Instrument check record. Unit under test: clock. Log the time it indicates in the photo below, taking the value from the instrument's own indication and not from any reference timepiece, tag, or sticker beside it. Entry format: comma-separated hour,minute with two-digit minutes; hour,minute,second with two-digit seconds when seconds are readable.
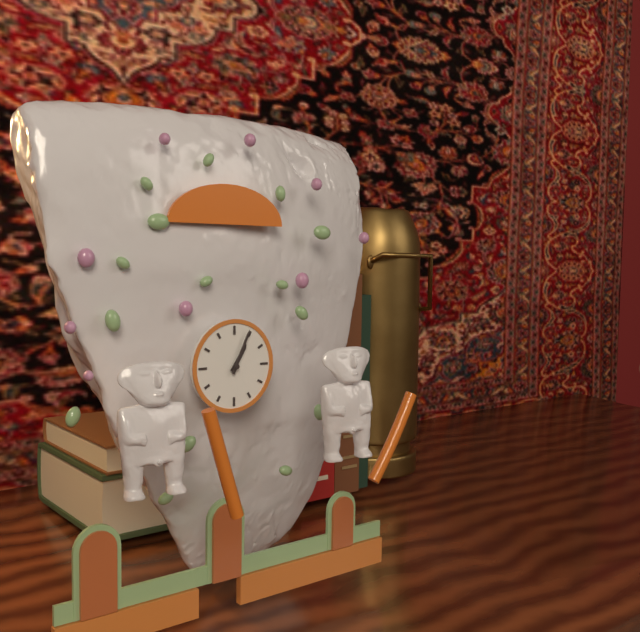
1,04
